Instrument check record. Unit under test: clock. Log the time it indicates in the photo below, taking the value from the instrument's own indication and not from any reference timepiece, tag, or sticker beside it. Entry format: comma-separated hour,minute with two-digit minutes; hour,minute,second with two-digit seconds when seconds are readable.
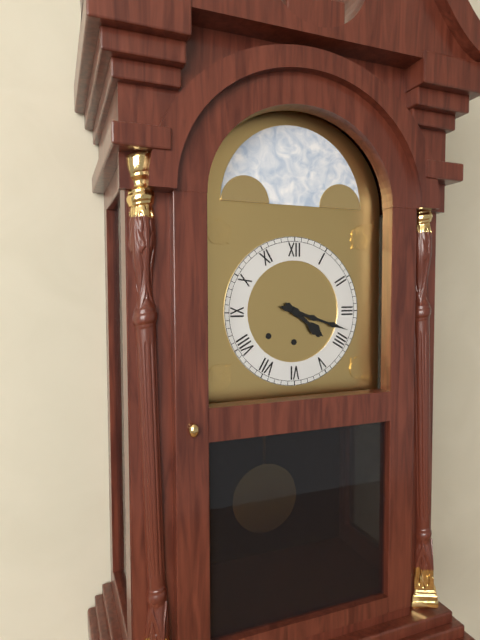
4,18
